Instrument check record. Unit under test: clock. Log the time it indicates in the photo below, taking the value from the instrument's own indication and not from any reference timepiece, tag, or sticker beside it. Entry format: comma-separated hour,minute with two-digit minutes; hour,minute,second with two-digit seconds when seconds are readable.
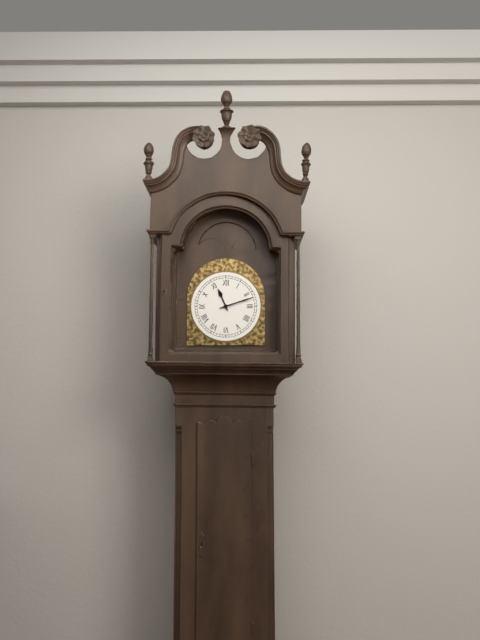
11,12
